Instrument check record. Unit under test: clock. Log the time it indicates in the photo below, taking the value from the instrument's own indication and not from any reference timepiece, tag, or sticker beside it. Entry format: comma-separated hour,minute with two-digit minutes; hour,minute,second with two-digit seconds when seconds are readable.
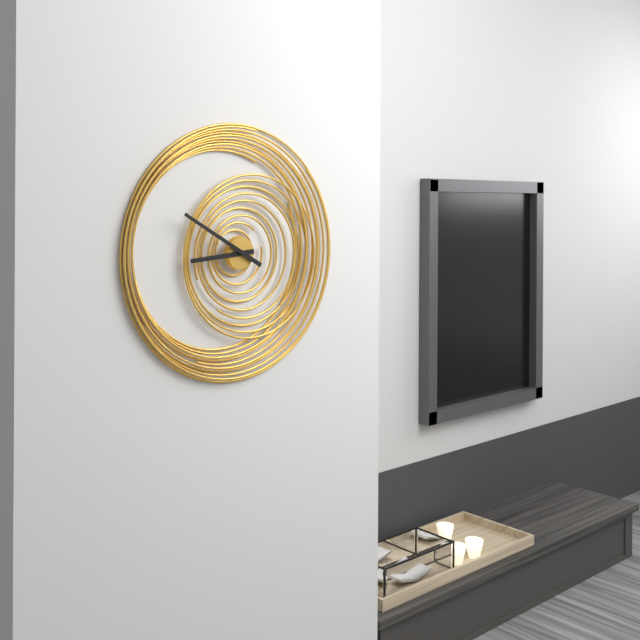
8,50
